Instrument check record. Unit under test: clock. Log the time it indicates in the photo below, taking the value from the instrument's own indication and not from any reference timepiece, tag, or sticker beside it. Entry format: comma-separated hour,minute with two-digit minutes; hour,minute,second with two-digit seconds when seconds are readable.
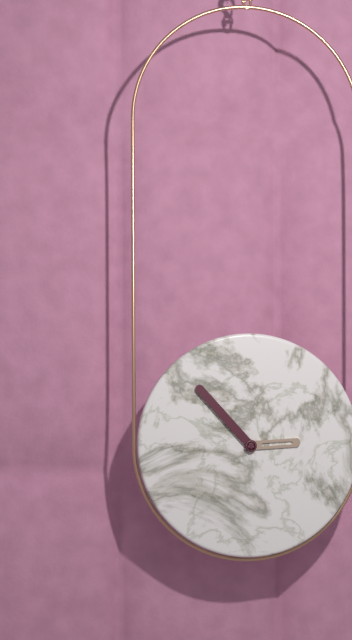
2,53
